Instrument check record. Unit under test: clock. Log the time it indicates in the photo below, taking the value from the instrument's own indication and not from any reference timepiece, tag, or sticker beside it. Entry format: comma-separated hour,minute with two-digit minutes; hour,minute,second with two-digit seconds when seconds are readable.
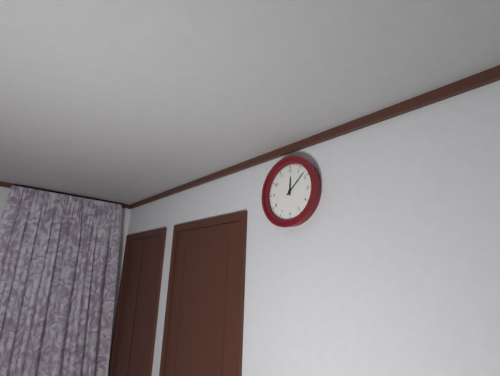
12,08
